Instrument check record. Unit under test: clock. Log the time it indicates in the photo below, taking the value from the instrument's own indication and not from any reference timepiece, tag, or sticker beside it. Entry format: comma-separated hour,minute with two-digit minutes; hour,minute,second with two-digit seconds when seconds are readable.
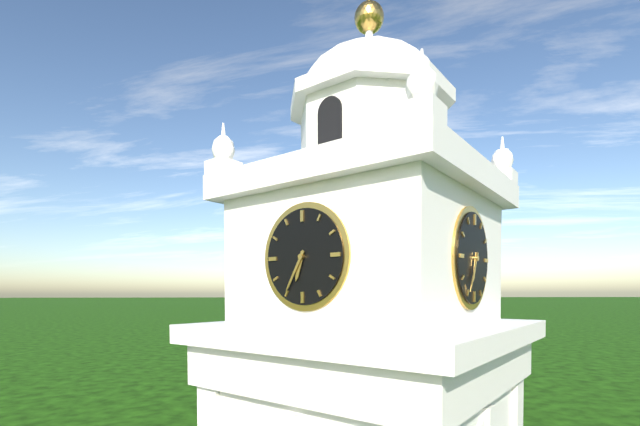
6,35
